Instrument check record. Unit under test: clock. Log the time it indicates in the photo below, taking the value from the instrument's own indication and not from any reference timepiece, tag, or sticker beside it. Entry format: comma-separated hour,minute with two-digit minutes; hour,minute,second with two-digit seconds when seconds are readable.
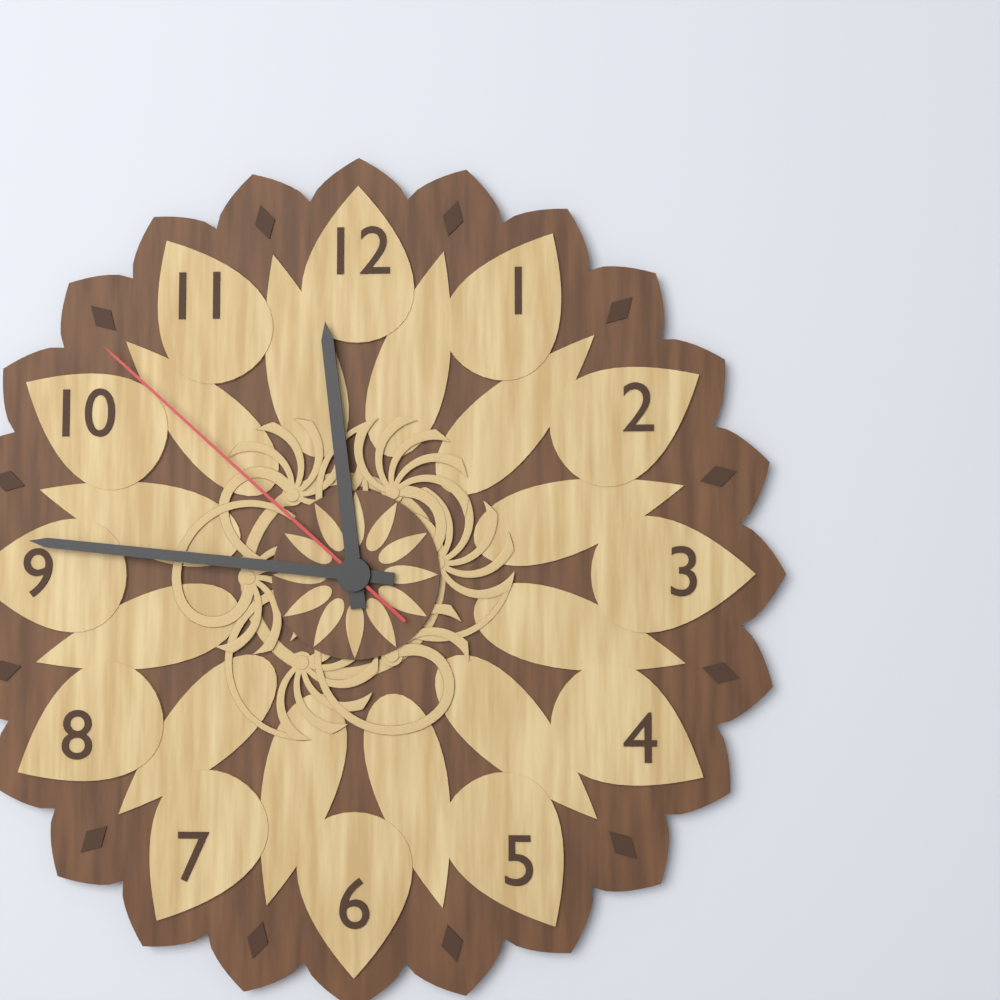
11,46,52
